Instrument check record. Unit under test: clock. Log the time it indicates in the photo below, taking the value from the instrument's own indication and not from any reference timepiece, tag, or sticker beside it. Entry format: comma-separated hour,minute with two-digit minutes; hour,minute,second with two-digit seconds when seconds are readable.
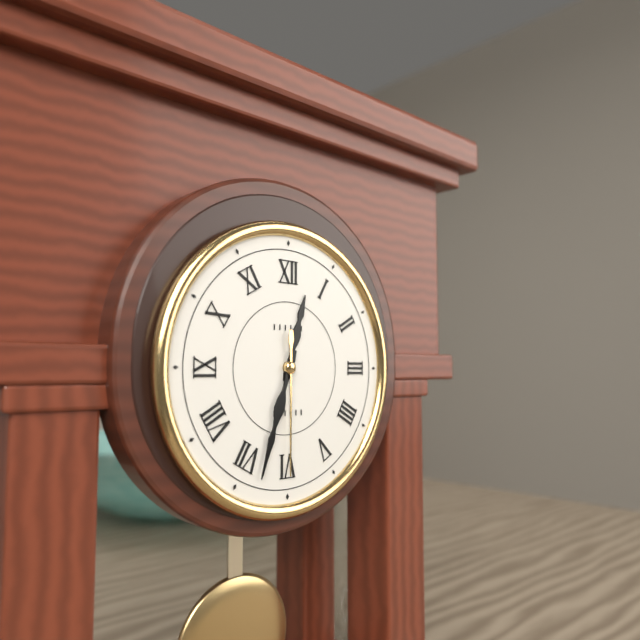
12,33,30
